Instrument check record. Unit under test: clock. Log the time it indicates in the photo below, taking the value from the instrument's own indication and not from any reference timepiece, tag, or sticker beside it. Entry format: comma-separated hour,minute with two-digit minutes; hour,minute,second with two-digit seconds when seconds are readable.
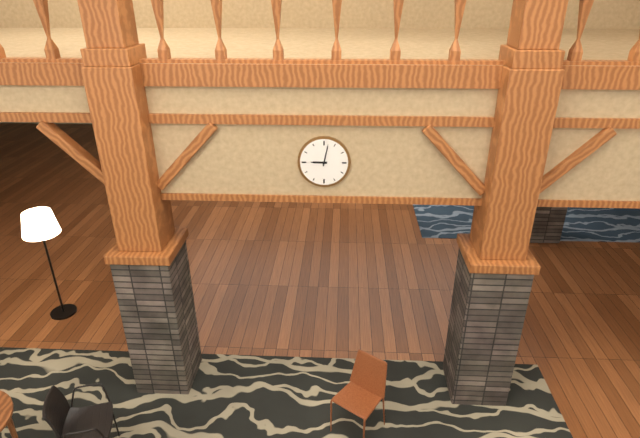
9,02
